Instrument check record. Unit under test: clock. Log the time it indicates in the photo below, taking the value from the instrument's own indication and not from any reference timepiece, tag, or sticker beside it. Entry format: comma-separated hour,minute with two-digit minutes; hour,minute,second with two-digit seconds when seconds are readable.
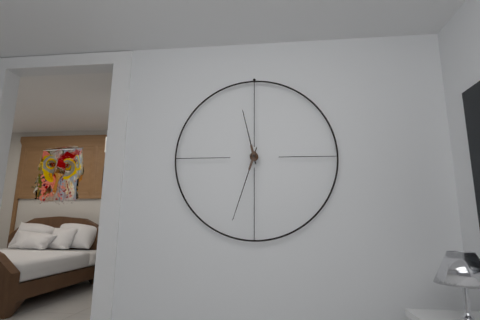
11,33
